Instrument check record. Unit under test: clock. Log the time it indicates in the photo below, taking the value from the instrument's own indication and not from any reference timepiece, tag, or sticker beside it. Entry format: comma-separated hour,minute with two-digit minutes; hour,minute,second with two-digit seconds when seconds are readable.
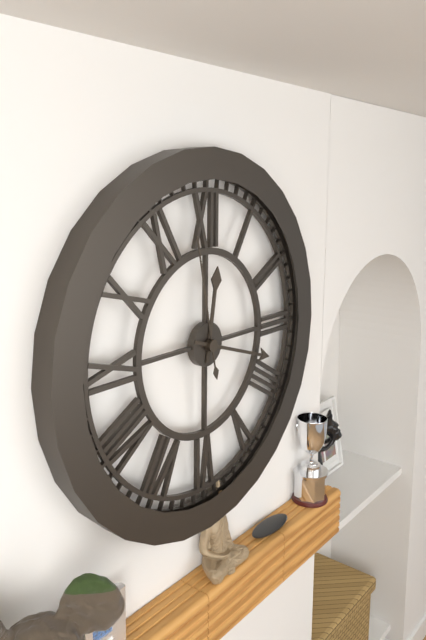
12,18,58
